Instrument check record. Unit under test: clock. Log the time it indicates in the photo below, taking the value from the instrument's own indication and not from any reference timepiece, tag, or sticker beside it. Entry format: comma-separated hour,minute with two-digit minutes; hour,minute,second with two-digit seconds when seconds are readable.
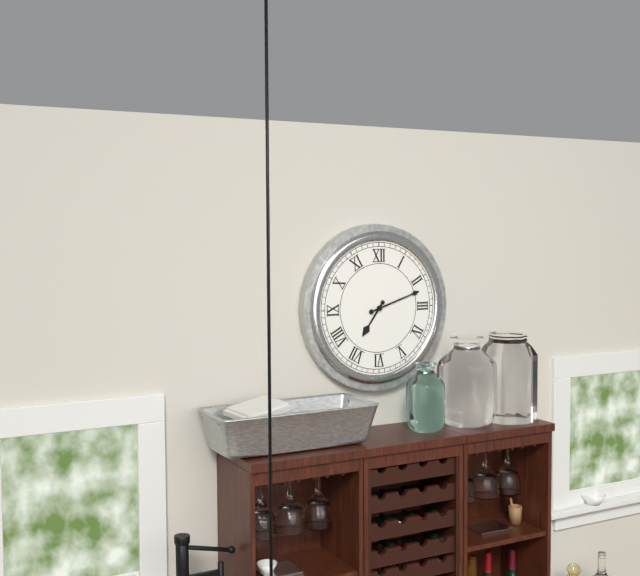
7,12
